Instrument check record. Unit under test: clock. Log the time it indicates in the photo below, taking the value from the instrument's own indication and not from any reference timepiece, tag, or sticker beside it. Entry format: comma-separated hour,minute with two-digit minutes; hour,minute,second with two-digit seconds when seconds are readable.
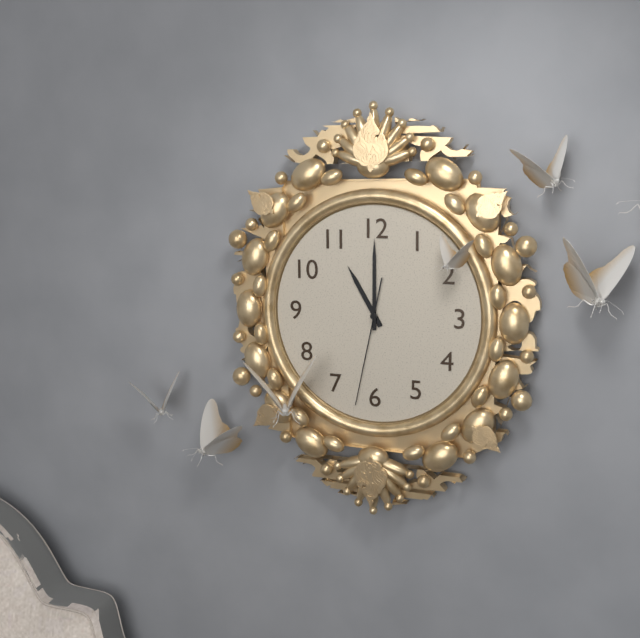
11,00,32
